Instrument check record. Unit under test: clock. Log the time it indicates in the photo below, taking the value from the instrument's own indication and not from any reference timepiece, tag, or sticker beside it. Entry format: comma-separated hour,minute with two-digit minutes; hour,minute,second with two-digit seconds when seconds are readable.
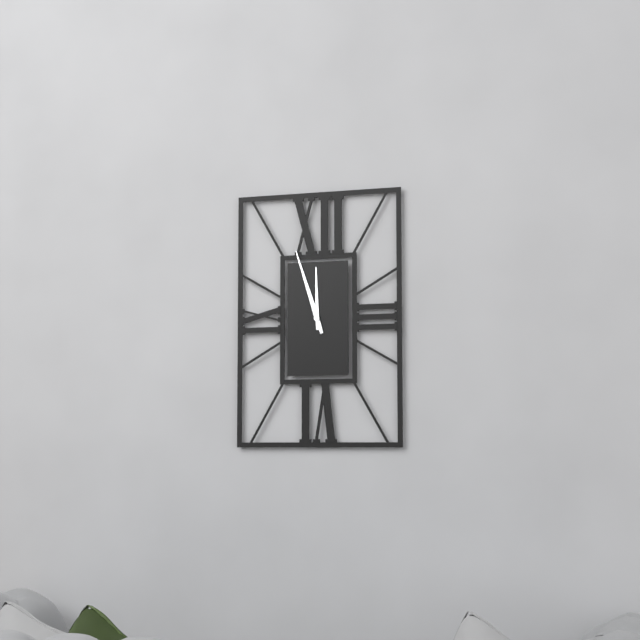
11,57
